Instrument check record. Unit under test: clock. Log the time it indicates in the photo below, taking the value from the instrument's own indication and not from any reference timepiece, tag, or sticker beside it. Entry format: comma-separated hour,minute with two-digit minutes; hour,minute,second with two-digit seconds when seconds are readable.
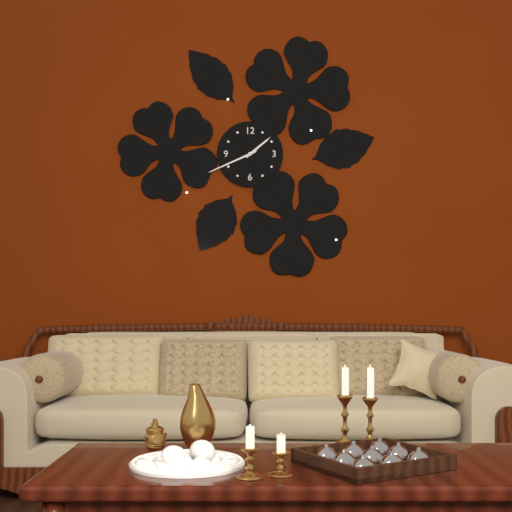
1,41
